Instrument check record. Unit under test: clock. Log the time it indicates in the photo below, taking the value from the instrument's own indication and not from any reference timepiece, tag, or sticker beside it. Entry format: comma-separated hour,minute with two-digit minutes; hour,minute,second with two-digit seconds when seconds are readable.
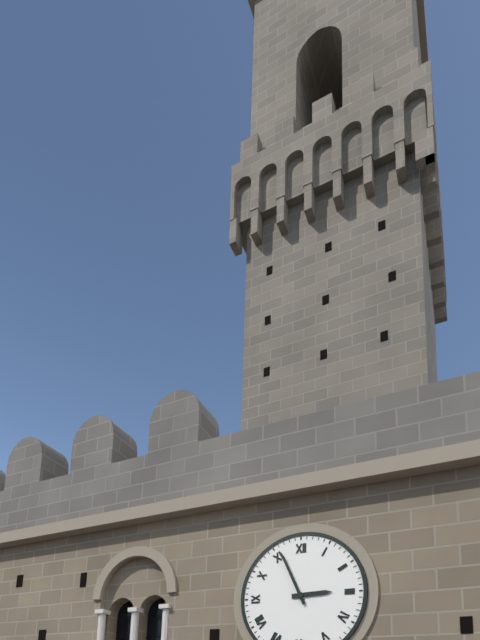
2,56
